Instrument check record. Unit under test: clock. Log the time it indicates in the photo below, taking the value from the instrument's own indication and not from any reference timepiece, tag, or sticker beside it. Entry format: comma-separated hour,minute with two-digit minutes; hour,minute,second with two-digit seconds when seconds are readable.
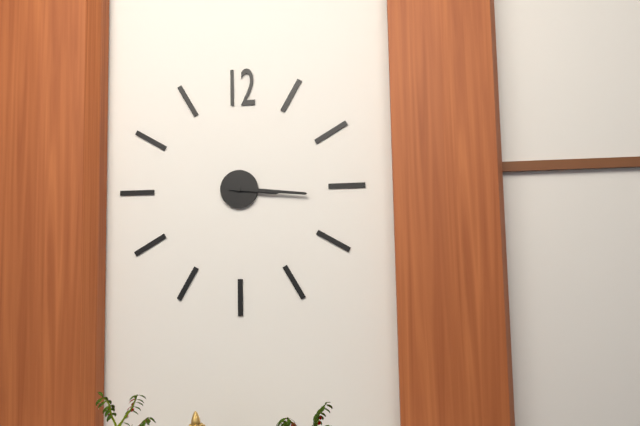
3,16
